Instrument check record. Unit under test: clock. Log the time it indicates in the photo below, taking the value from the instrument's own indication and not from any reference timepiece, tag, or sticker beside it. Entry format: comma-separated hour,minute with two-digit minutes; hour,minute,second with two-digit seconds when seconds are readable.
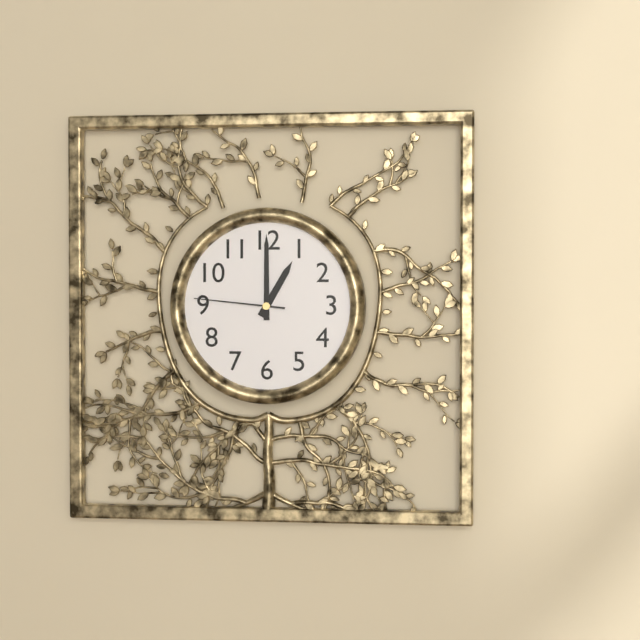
1,00,46
